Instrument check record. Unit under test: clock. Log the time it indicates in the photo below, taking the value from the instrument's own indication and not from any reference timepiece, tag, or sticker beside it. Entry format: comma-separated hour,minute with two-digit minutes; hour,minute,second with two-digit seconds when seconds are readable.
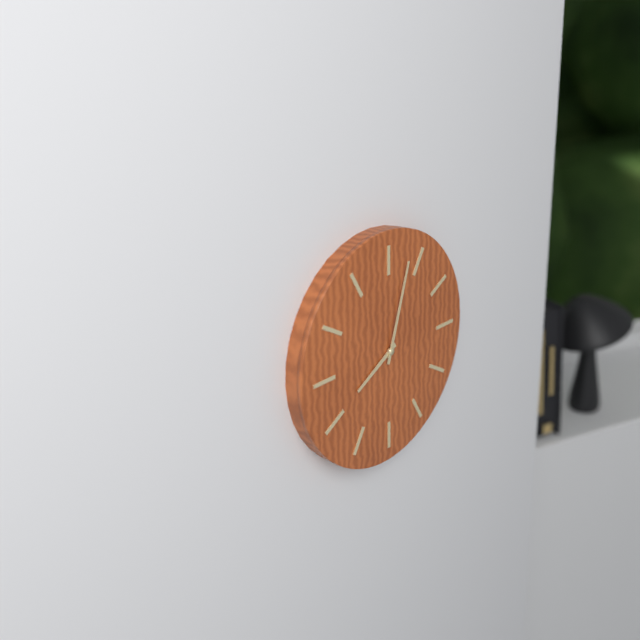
8,03
